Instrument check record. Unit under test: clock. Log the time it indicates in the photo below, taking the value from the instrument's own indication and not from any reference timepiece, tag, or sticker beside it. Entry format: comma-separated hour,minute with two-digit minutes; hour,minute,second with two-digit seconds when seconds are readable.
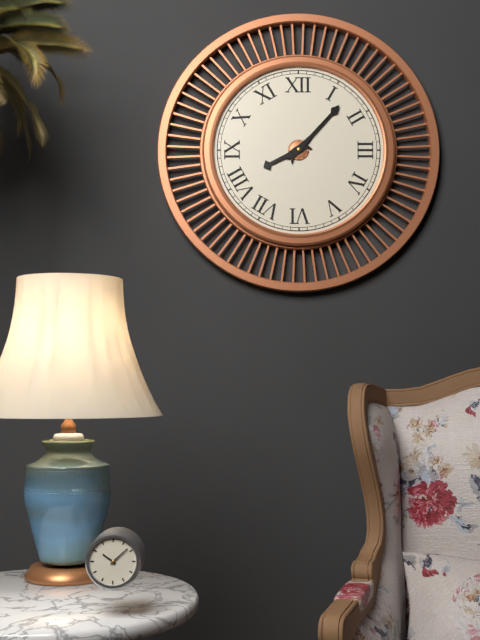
8,07
